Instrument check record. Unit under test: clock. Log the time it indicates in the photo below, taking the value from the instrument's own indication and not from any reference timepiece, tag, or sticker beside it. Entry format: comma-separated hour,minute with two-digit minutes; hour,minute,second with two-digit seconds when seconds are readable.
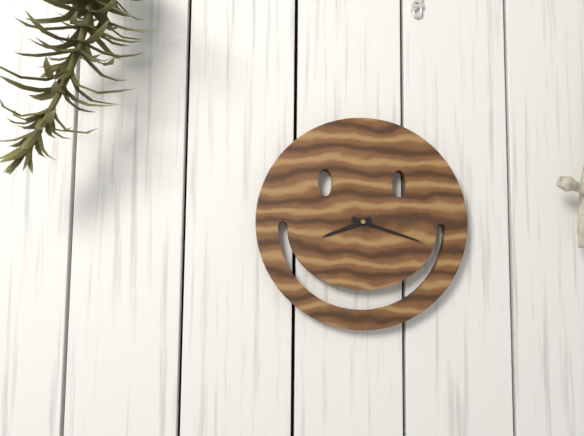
8,18
